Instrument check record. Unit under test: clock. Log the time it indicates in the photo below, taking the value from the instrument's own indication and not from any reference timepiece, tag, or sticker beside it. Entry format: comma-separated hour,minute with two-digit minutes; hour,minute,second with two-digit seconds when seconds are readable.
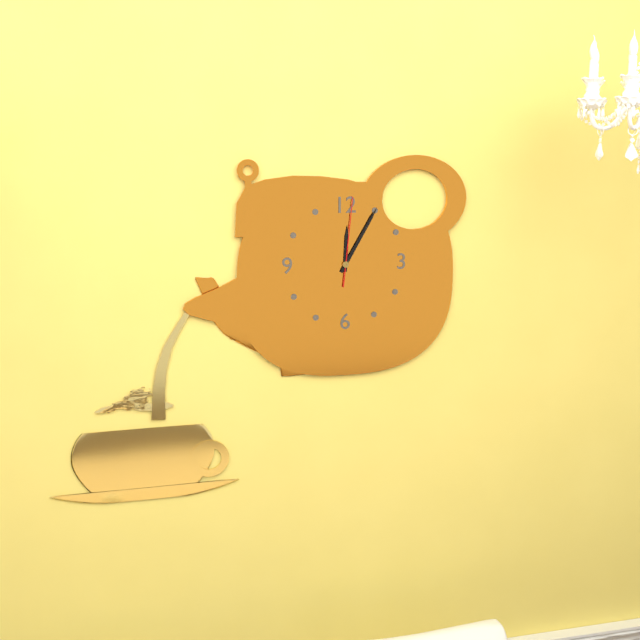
12,05,01
